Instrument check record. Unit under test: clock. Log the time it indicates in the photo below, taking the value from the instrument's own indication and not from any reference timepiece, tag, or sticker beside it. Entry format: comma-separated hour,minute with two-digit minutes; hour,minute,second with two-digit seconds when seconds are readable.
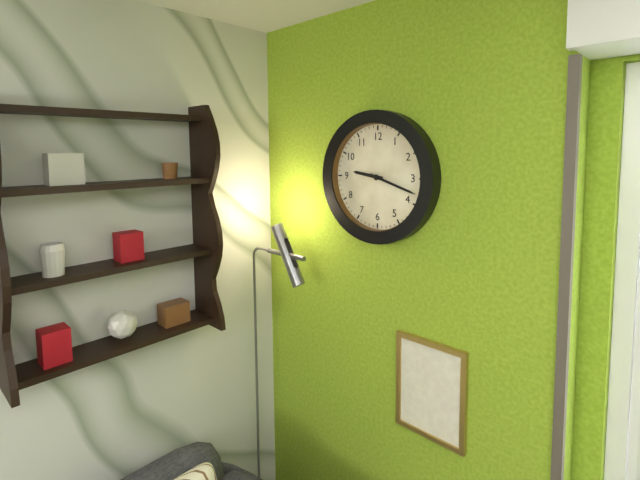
9,18
